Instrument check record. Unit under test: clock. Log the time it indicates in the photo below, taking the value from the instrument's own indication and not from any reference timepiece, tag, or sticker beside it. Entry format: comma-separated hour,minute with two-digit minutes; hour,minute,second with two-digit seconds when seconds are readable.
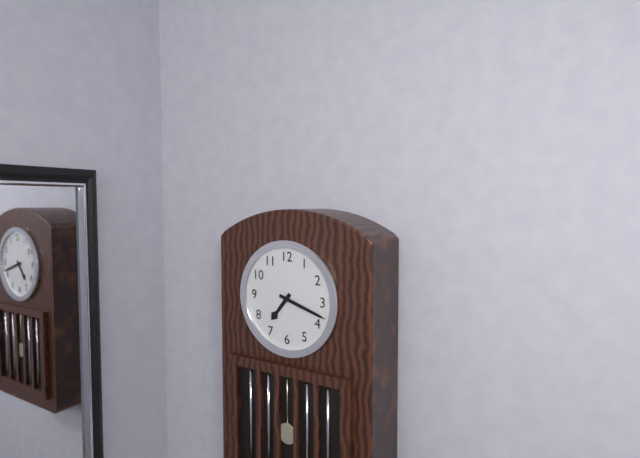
7,18
